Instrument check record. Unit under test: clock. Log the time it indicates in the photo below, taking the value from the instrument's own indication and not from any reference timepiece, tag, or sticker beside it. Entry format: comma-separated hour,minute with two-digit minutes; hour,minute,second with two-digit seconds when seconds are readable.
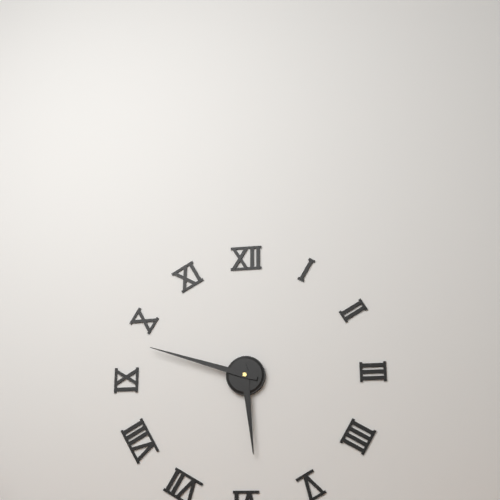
5,48
